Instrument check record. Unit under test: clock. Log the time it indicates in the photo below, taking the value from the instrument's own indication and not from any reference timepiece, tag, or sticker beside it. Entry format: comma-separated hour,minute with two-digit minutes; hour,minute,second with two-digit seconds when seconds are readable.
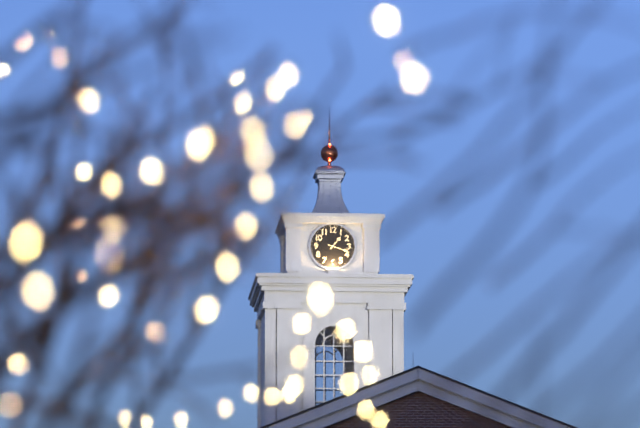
1,18
